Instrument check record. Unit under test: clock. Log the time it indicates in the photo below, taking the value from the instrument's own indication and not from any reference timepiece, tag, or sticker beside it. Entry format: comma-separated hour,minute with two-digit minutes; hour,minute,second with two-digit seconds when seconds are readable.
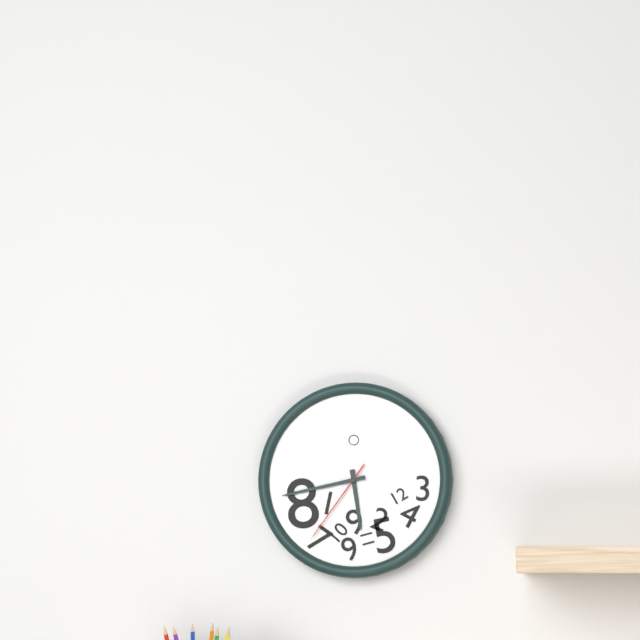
5,43,36
